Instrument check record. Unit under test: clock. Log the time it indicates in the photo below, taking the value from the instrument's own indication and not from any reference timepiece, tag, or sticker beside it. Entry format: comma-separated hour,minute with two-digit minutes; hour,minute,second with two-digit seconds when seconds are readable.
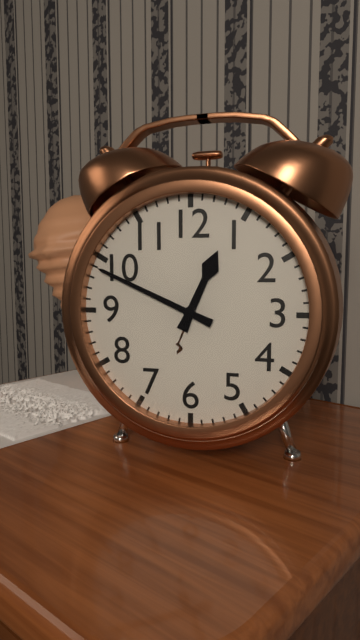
12,49
